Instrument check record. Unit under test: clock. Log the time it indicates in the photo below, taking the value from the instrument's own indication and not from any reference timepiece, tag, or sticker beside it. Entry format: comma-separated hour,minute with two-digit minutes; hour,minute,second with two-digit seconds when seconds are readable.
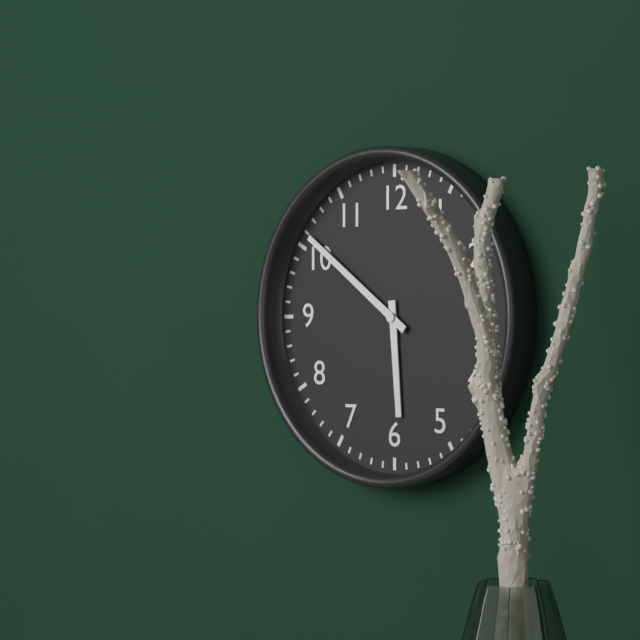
5,51
